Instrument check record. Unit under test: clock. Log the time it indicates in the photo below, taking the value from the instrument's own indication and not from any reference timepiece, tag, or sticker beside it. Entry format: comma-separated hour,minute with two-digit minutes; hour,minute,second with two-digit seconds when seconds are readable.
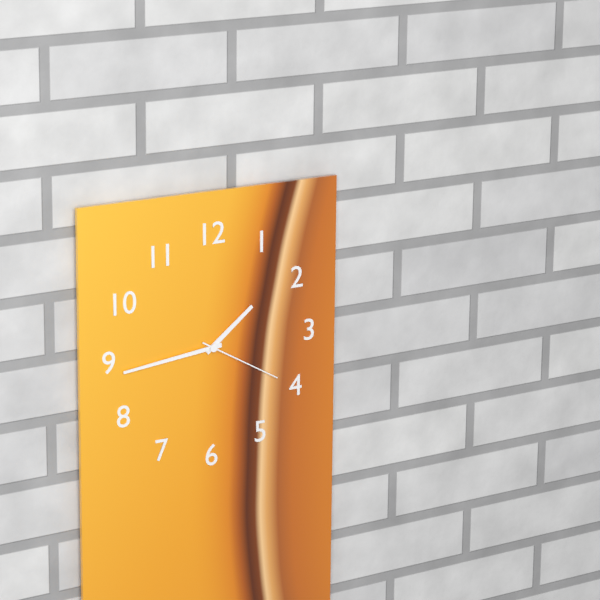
1,44,20
